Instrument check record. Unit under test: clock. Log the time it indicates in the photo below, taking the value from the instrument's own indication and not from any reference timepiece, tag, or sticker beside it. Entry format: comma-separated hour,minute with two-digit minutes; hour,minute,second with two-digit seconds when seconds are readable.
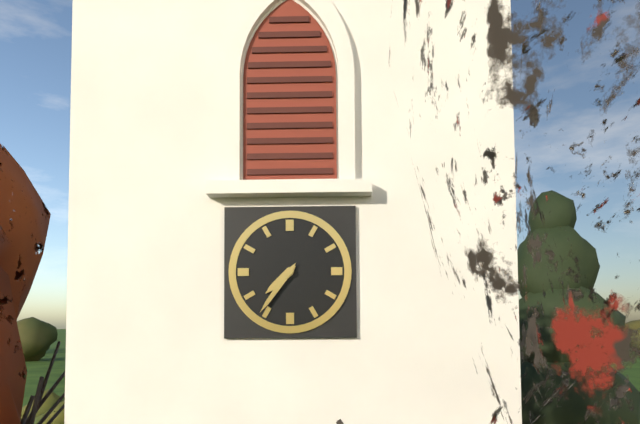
7,36
